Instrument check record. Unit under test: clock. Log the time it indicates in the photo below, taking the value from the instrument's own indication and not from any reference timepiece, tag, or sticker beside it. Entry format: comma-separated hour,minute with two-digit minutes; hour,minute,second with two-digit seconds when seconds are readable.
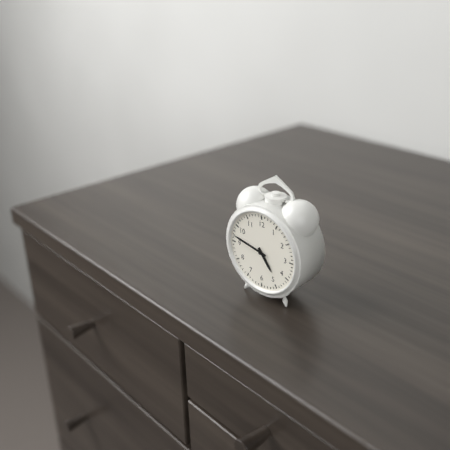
4,47
